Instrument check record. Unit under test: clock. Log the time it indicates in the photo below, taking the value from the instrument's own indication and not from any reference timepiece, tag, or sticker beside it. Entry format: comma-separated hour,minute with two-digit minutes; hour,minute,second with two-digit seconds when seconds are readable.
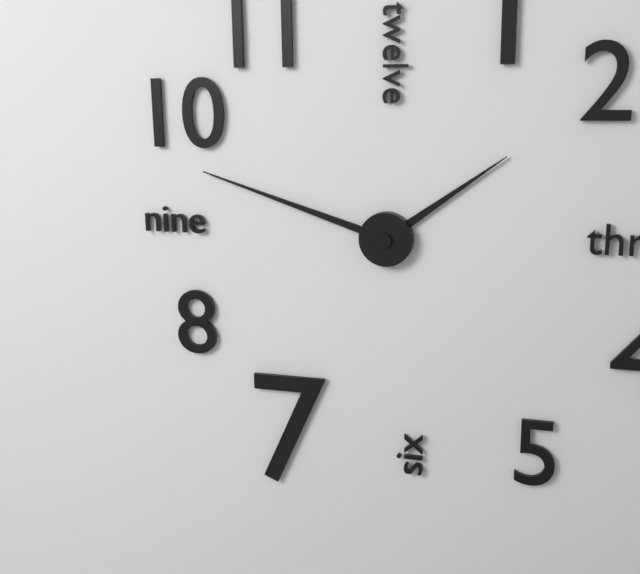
1,48
